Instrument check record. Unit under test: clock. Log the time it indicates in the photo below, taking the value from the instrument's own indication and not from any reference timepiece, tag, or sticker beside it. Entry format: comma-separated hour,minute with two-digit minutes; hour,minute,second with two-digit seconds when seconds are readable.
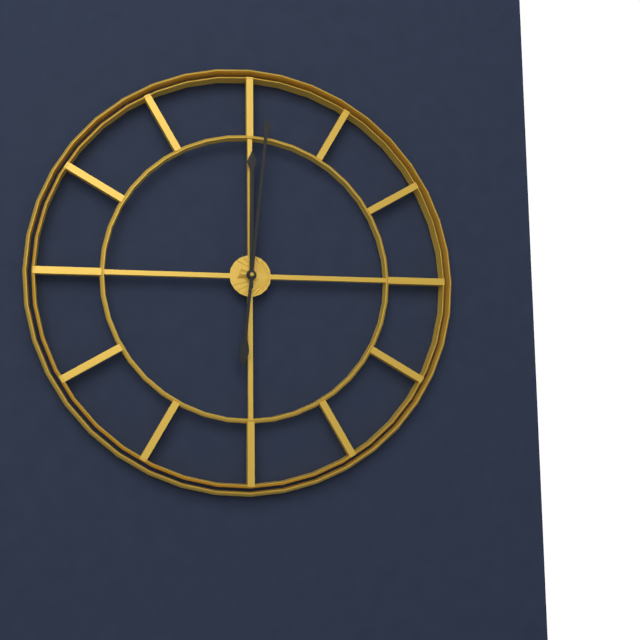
12,01
